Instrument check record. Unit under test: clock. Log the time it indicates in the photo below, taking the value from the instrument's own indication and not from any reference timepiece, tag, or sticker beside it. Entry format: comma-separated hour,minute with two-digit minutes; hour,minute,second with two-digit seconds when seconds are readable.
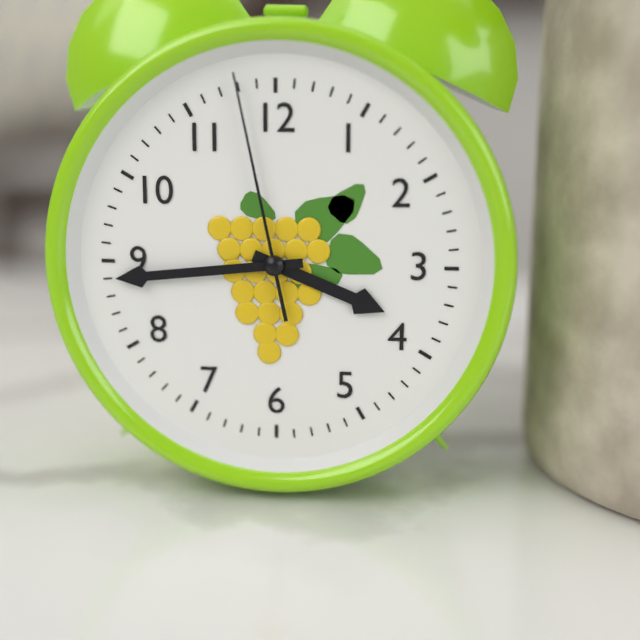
3,44,58
